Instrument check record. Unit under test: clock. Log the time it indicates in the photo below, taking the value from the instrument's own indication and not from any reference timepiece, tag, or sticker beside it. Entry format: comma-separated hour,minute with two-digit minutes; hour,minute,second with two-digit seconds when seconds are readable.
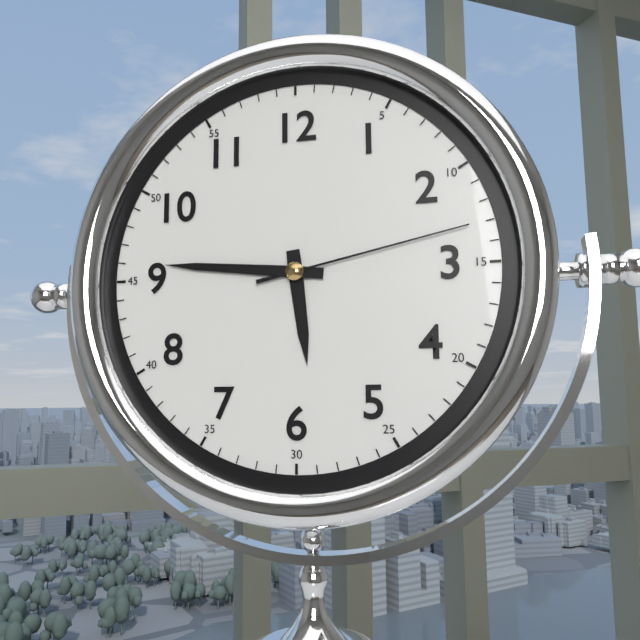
5,46,13
